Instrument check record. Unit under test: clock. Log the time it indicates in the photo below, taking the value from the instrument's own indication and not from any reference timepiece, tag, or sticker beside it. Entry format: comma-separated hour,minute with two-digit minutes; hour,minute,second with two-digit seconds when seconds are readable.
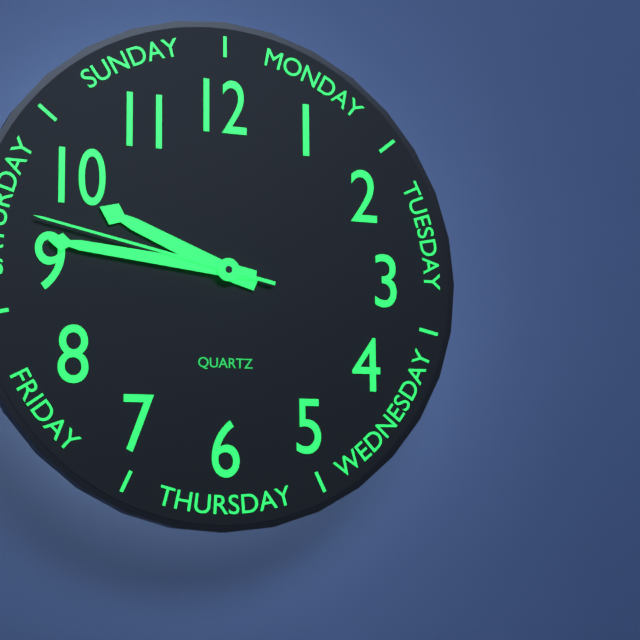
9,46,47
